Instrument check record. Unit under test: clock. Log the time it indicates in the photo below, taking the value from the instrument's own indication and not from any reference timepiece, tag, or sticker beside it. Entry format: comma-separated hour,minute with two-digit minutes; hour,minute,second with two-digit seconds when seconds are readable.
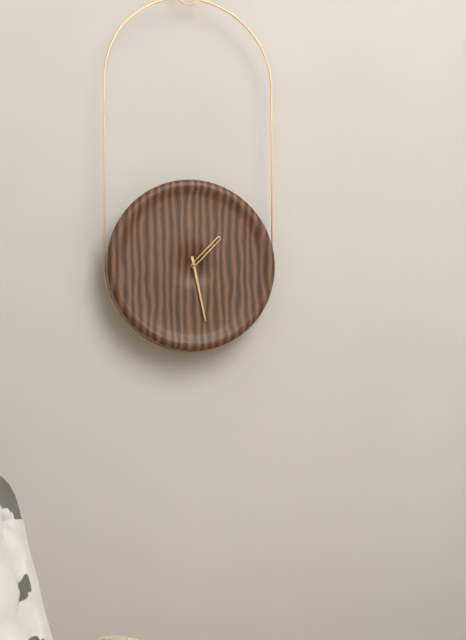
1,28
